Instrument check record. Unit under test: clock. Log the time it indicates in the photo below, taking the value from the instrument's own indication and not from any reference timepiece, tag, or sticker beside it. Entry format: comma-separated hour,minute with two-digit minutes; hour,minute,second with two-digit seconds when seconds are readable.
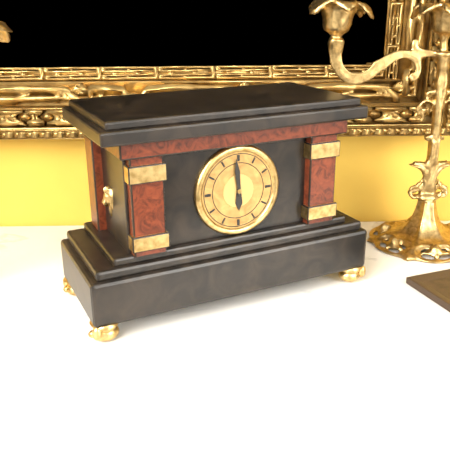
5,59
